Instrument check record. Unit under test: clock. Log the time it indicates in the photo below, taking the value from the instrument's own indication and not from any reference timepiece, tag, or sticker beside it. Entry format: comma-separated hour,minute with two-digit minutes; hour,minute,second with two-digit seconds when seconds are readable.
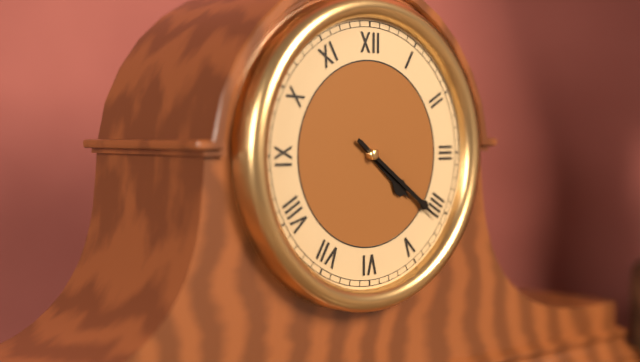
4,21
